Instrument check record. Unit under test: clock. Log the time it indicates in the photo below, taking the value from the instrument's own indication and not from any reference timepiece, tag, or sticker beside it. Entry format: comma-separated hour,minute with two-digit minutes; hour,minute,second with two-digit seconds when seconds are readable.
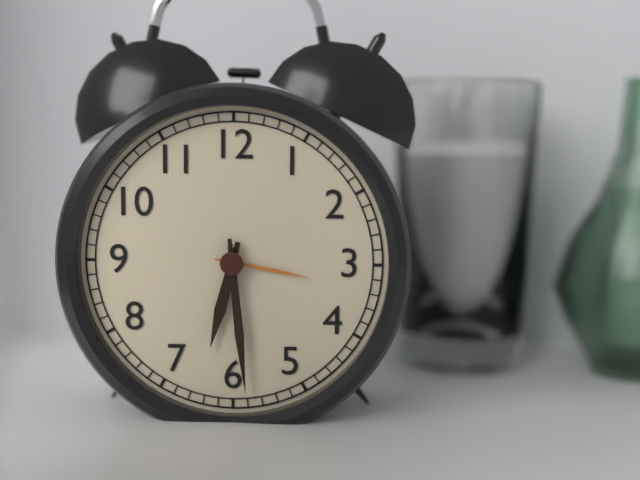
6,29
